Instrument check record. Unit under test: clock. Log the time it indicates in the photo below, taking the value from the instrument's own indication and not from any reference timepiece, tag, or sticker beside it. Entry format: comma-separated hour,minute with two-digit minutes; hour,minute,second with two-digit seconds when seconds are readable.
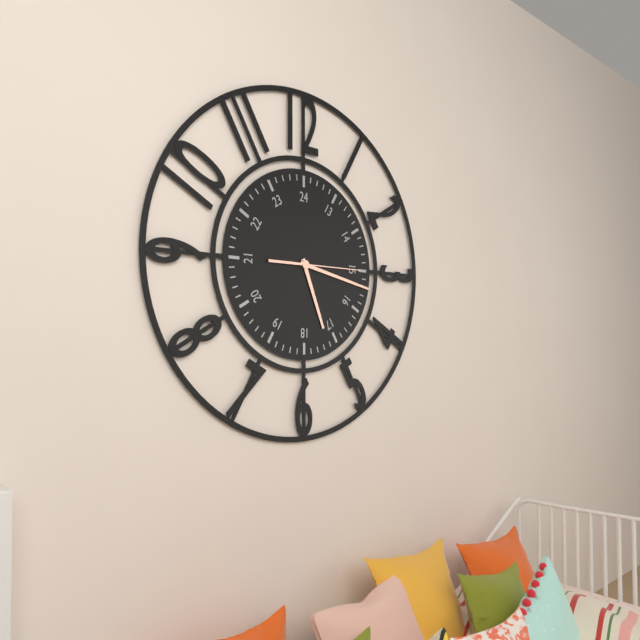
5,17,15
